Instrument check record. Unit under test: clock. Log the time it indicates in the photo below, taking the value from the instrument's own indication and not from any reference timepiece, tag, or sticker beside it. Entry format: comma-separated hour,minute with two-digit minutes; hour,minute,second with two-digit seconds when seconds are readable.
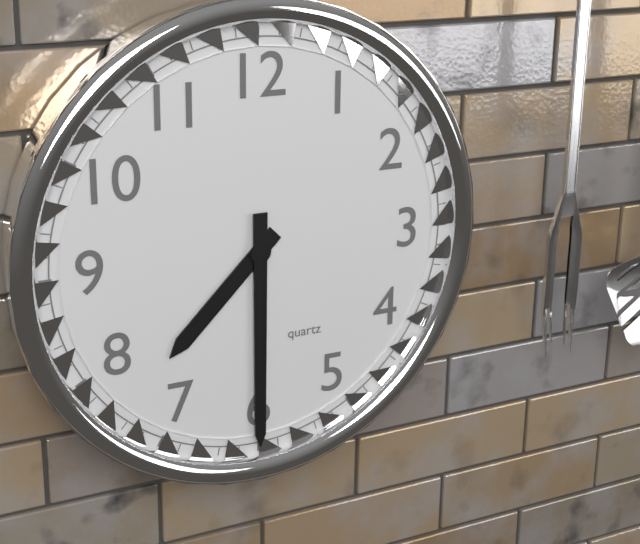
7,30
